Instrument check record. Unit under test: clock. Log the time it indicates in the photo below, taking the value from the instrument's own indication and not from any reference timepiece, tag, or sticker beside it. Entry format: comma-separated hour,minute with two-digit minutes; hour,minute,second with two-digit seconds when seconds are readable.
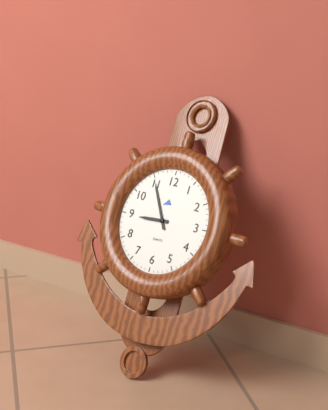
8,55
